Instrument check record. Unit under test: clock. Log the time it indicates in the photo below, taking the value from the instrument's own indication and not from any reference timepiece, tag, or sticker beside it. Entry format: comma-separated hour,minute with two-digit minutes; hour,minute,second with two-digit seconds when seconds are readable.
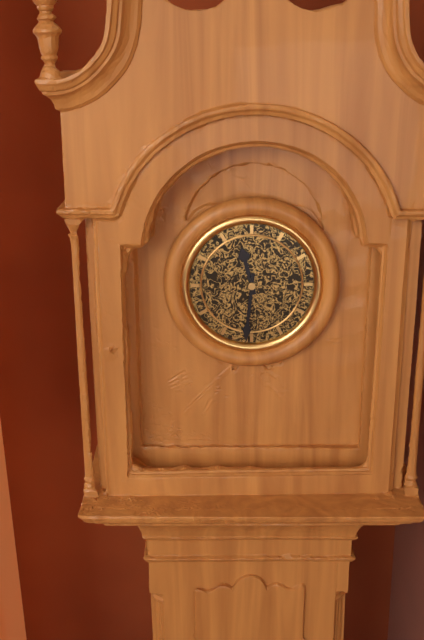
11,31
